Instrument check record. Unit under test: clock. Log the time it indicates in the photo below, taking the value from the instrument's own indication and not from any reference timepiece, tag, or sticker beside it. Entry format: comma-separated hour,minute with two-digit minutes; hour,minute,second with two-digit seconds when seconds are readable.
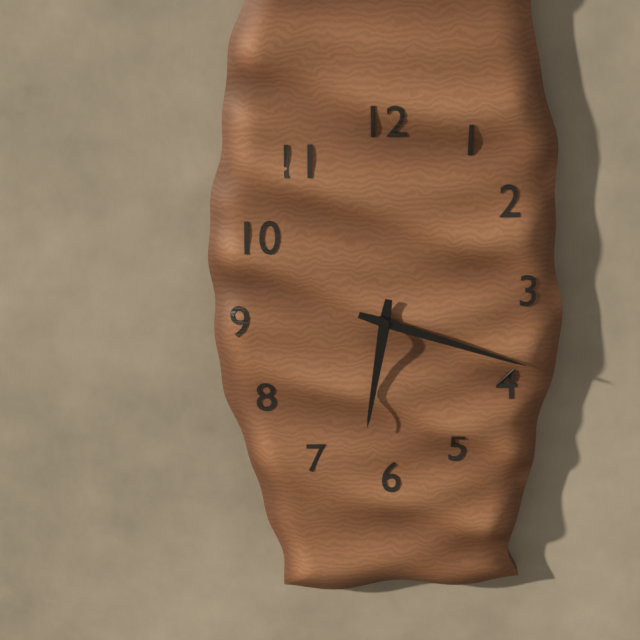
6,18
